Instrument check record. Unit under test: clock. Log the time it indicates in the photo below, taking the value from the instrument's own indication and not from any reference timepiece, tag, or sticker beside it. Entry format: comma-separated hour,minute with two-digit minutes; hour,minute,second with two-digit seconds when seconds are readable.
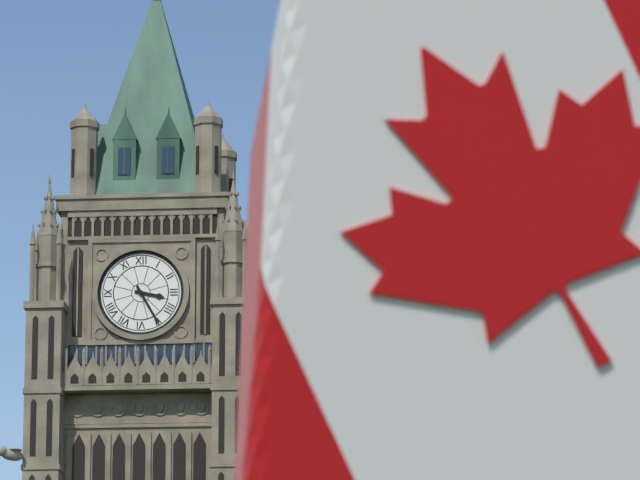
3,25
